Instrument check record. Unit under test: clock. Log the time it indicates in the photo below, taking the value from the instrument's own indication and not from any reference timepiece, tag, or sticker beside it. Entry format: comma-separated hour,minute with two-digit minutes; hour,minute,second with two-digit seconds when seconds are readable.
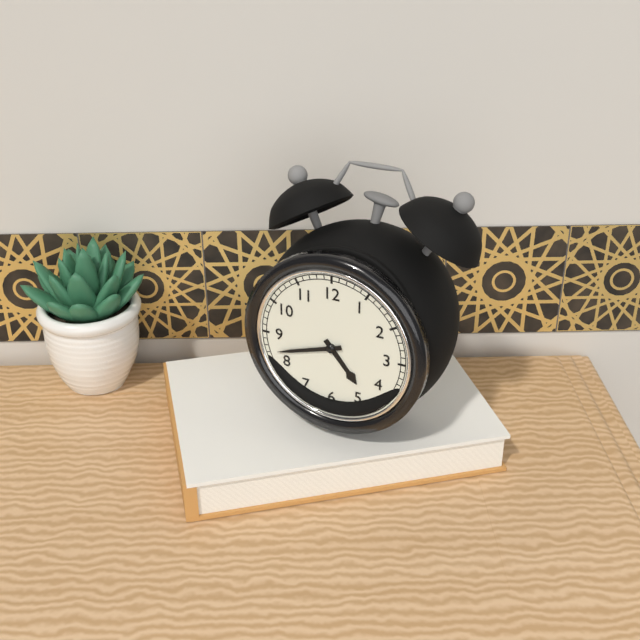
4,42
